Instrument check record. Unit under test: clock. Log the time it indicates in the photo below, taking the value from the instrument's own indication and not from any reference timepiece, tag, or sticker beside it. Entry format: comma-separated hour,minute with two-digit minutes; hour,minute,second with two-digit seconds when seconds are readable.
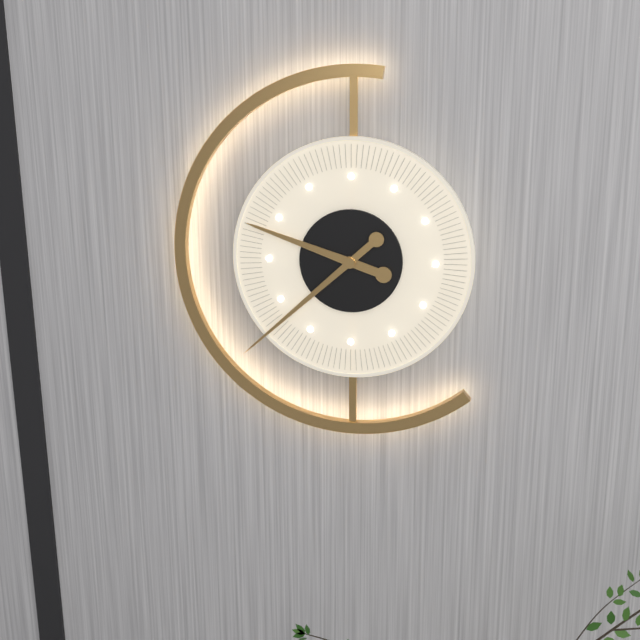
9,38
